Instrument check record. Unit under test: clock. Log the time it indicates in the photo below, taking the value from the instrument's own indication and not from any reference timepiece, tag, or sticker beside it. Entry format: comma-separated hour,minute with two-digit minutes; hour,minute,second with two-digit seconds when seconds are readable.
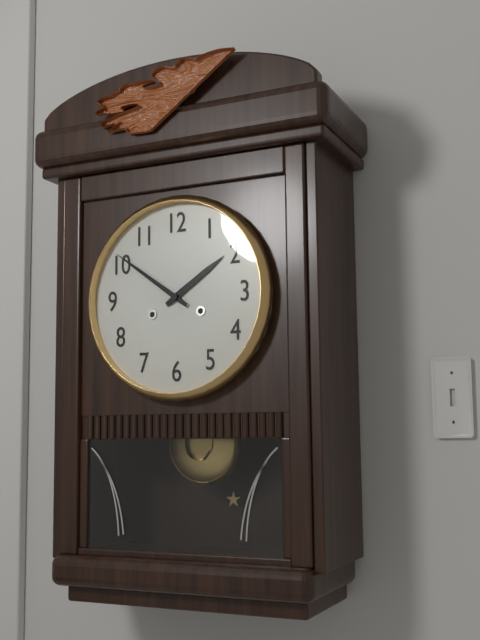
1,51
